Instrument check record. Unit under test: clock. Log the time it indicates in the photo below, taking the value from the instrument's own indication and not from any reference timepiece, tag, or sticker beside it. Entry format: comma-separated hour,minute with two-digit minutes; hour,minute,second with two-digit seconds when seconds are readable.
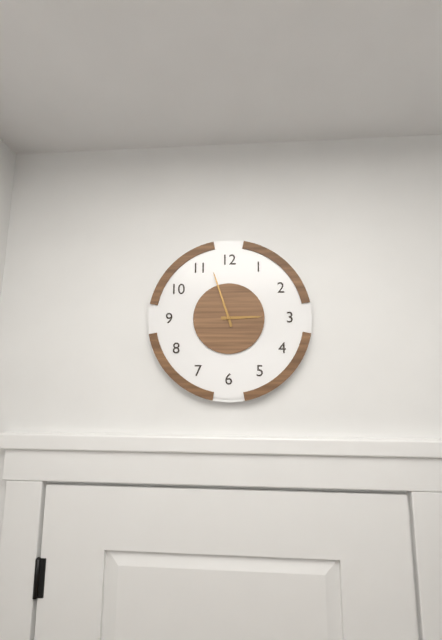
2,57
